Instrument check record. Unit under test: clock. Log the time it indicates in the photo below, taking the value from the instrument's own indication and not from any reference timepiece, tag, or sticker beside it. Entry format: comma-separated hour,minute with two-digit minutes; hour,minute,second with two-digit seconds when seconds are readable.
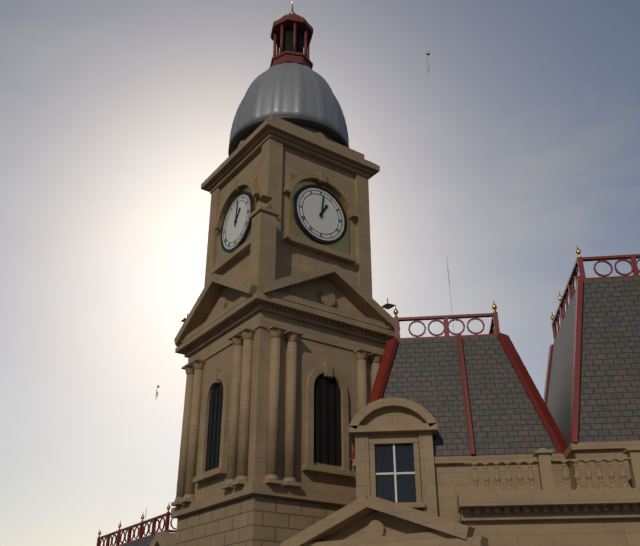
1,01
